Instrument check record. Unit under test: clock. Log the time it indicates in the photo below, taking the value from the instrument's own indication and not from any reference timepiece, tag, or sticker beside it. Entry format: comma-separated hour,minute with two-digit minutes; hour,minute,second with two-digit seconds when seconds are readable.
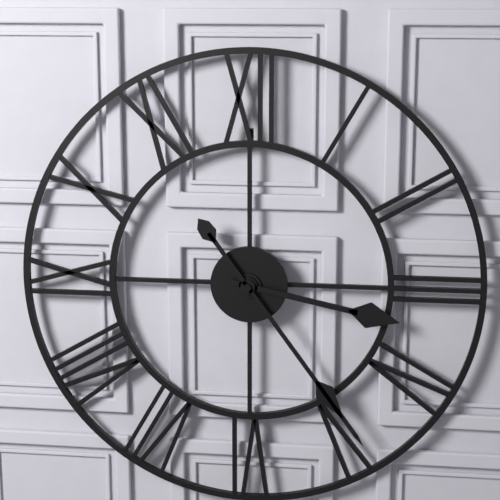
3,24
